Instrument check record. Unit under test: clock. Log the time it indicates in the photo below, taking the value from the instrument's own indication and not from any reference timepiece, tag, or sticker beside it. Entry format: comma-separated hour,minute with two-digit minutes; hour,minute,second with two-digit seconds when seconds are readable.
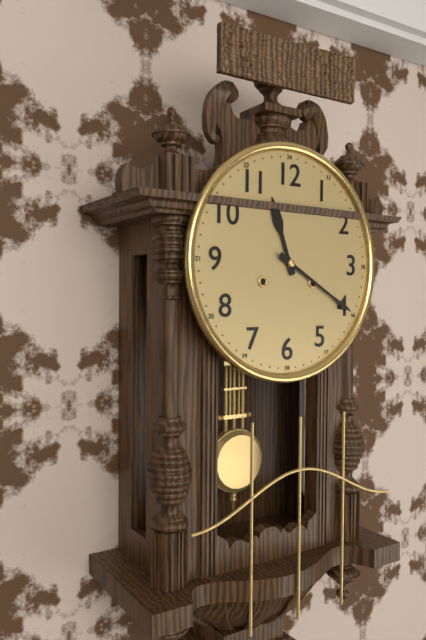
11,20
